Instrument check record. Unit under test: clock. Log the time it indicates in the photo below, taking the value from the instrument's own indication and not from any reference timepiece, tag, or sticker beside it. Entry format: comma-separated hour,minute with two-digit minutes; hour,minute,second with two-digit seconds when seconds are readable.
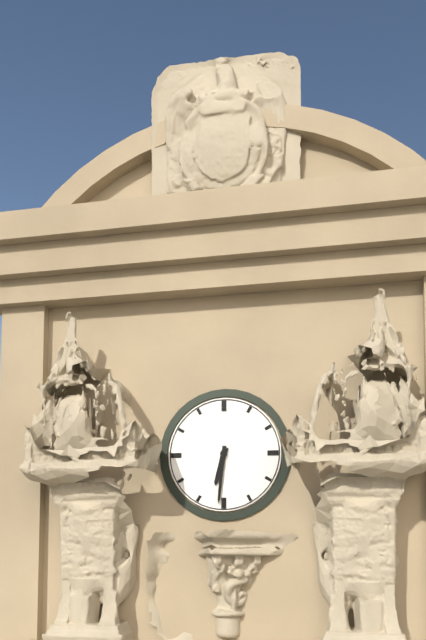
6,31
